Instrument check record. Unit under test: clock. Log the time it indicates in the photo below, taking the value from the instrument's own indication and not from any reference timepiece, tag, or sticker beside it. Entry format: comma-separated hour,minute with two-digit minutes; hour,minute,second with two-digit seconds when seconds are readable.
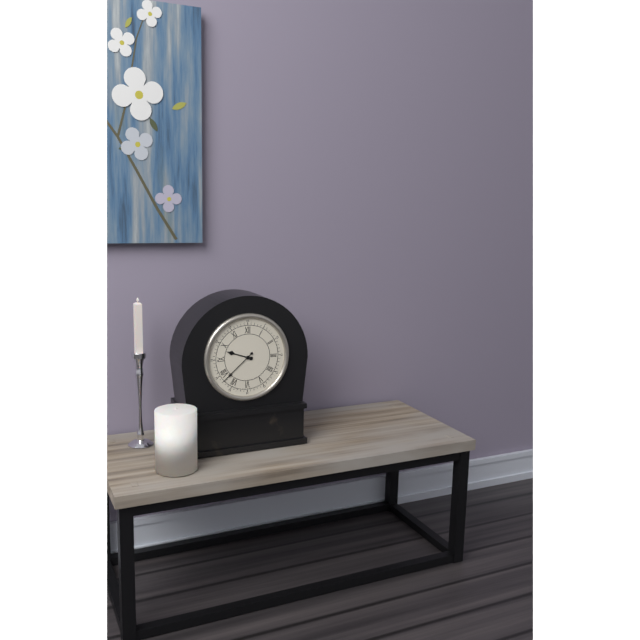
9,38
